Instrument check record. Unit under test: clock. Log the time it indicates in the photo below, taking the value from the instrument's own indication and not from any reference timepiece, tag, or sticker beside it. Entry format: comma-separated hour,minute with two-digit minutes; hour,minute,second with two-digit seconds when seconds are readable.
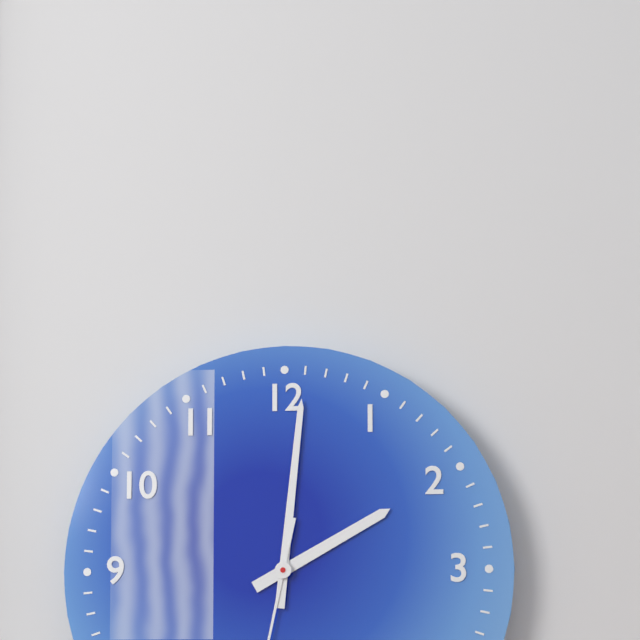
2,01
